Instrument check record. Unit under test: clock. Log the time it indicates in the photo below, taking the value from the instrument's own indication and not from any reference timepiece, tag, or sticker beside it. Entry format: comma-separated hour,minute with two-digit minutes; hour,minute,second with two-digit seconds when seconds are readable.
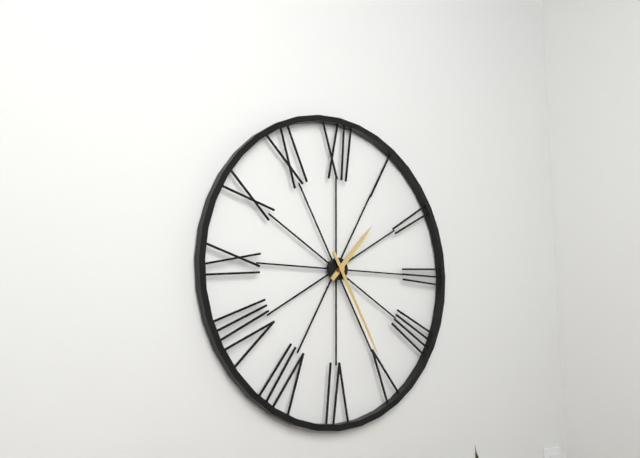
1,25
